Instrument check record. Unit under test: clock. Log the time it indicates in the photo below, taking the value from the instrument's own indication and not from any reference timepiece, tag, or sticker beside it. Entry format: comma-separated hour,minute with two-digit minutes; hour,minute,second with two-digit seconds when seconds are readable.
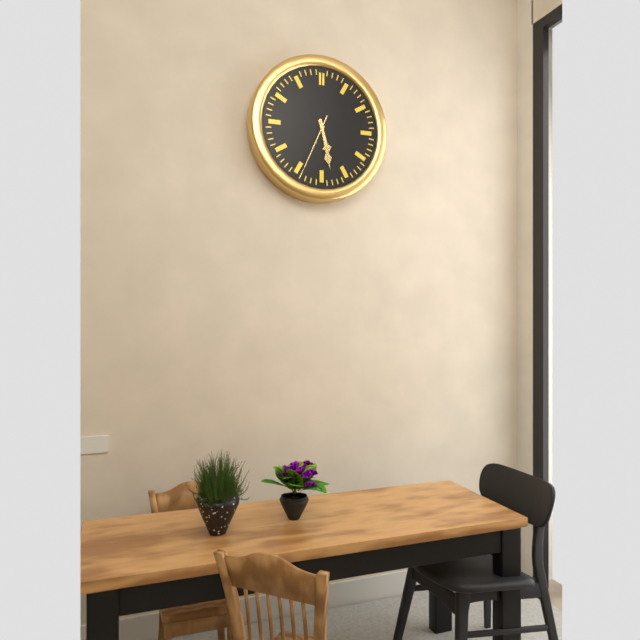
5,28,34
